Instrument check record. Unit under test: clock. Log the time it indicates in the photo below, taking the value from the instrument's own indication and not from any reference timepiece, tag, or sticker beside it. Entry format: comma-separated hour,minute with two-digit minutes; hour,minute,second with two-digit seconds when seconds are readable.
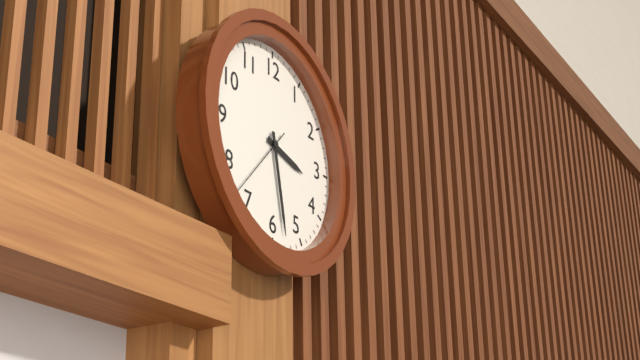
3,28,37
